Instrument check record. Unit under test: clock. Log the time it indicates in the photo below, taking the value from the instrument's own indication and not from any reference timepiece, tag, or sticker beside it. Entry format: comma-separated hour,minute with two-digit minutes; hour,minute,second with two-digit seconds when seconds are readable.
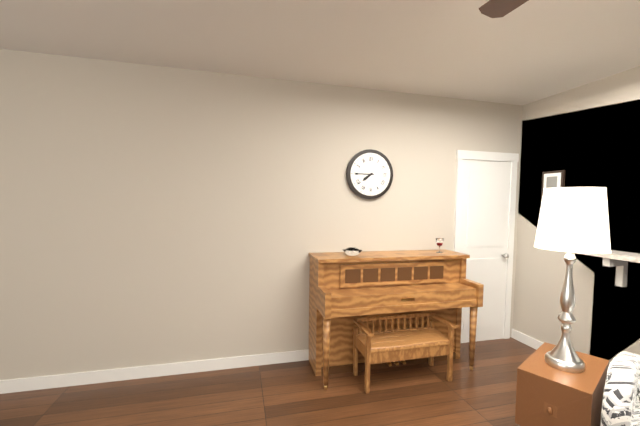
7,45
